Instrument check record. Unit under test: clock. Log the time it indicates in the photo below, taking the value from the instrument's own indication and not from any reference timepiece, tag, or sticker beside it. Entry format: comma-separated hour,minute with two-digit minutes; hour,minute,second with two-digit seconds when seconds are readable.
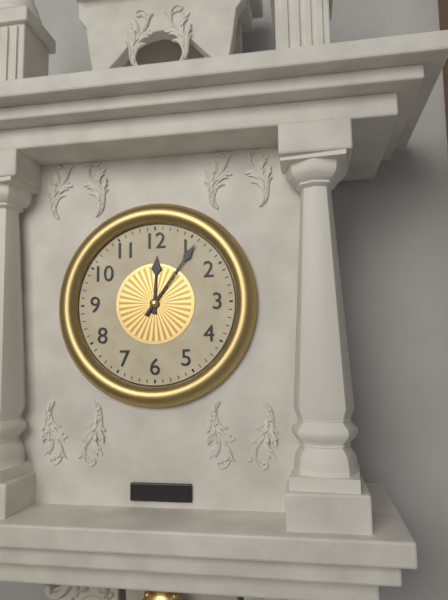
12,06
